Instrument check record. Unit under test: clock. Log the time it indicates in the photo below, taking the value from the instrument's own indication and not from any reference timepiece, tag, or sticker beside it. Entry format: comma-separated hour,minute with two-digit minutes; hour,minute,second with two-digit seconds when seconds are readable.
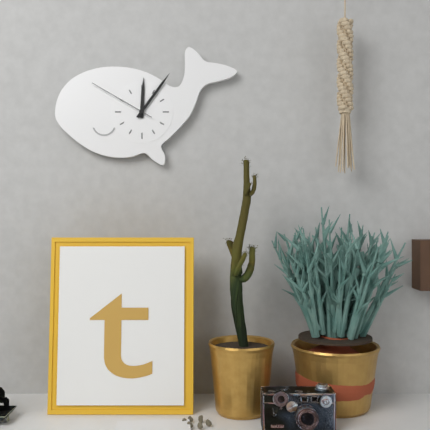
12,06,50
